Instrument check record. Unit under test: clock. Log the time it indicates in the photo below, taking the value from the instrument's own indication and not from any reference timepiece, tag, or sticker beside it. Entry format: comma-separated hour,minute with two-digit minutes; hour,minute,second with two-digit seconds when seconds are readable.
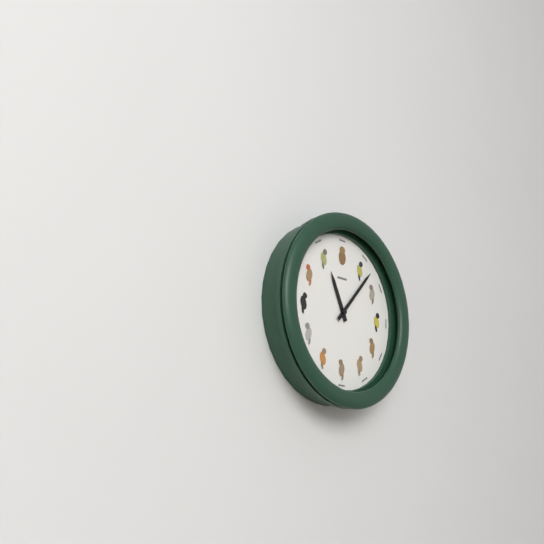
11,07
